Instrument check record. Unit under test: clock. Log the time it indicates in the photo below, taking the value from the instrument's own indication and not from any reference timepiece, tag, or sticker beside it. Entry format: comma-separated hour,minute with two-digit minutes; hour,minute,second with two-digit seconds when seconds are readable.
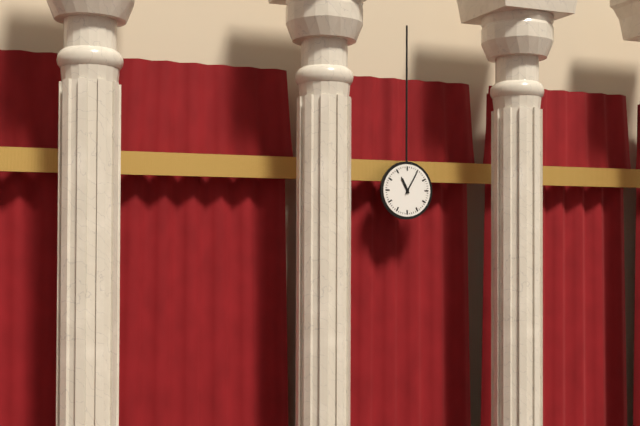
11,05
